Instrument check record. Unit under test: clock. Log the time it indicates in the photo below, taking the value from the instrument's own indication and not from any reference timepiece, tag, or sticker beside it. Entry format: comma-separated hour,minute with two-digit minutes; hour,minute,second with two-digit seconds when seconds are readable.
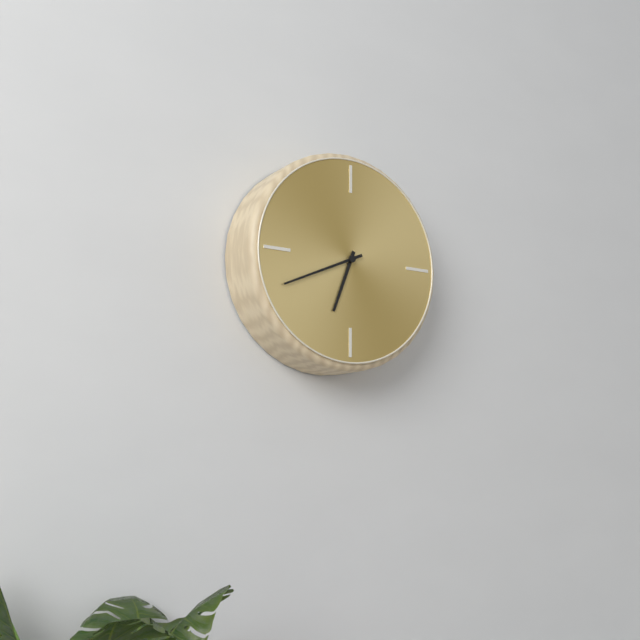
6,41
